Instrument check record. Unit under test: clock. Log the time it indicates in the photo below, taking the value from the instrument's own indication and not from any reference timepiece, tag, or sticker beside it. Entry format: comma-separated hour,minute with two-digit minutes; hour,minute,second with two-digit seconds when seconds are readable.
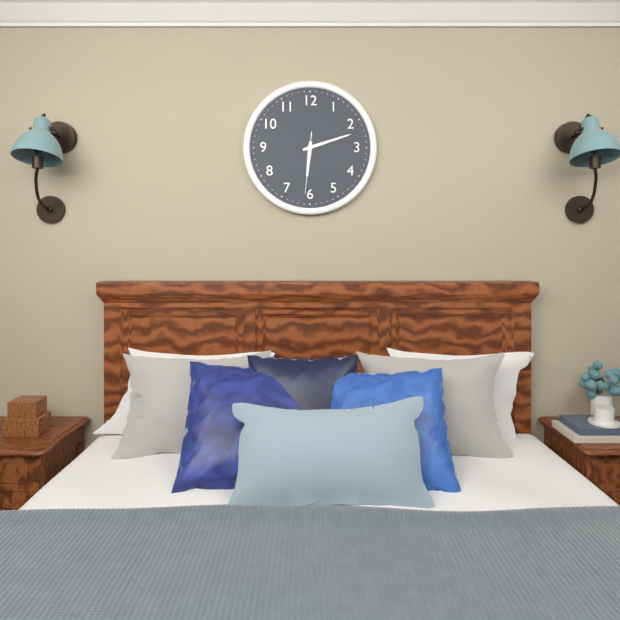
6,12,31
